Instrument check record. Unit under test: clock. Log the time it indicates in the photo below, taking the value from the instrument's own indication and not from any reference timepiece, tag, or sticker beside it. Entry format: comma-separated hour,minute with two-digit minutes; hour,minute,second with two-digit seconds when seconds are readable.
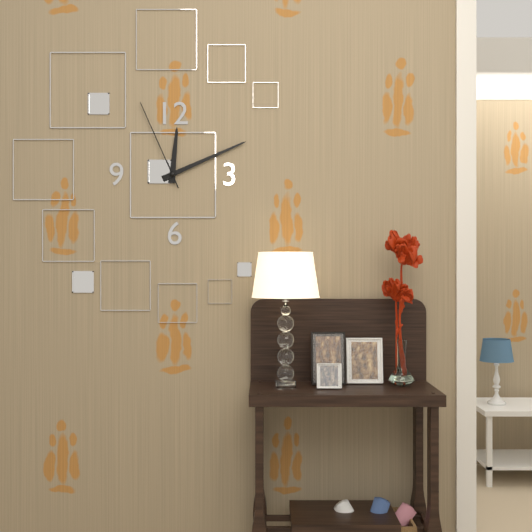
12,11,56
